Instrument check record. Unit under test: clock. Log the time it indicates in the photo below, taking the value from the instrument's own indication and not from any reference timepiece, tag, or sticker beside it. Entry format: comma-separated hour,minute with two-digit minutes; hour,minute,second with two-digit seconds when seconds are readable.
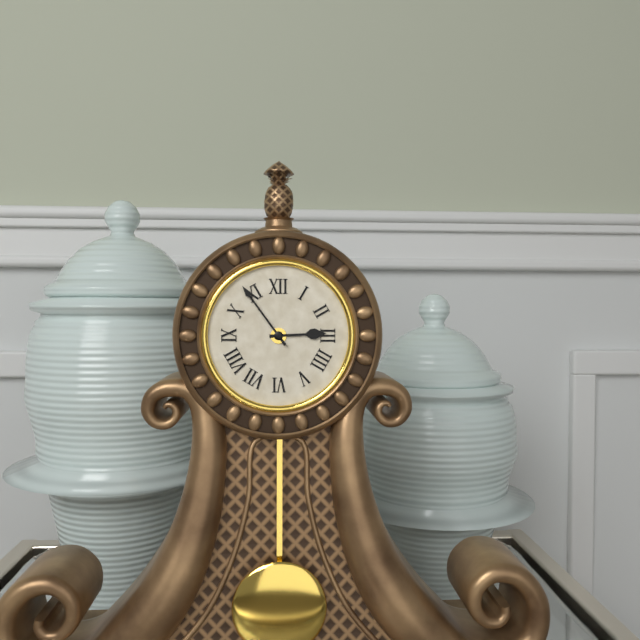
2,54
